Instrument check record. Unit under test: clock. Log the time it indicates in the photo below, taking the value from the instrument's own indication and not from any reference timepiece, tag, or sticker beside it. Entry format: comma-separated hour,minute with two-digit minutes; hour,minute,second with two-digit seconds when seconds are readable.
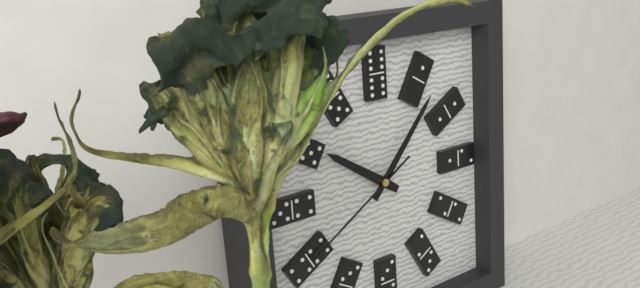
10,07,40
